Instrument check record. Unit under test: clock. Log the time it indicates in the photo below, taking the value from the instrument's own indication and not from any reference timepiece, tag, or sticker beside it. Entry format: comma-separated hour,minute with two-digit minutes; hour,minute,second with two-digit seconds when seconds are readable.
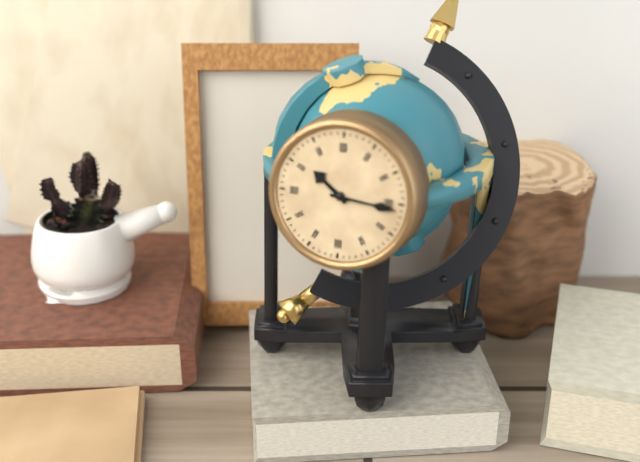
10,16
